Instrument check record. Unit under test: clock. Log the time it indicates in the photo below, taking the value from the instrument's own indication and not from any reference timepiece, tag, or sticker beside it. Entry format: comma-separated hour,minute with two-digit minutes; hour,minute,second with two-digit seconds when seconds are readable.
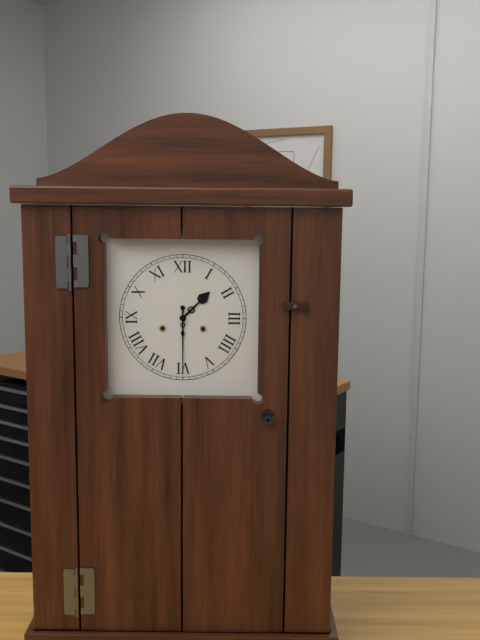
1,30
